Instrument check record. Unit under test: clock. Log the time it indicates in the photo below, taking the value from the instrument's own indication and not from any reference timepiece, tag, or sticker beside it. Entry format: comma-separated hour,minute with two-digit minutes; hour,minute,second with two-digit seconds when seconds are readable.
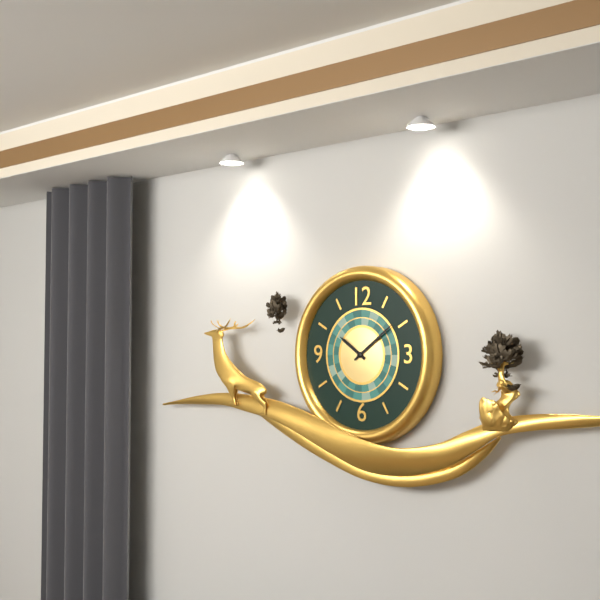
10,09
